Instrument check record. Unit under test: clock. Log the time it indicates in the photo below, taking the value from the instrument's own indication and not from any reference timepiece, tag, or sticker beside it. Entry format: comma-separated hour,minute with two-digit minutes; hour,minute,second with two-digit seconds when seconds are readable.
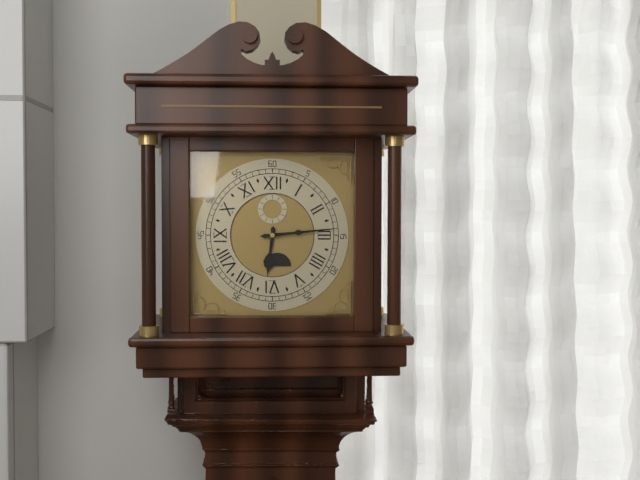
6,14
